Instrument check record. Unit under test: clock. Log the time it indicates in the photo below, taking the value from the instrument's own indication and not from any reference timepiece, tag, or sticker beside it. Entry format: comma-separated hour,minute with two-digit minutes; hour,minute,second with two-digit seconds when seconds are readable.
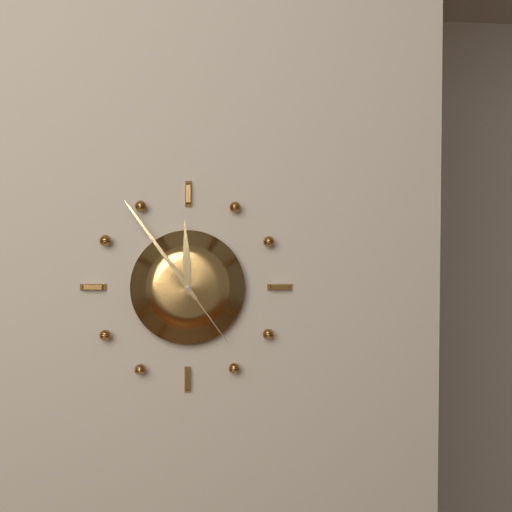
11,54,24
